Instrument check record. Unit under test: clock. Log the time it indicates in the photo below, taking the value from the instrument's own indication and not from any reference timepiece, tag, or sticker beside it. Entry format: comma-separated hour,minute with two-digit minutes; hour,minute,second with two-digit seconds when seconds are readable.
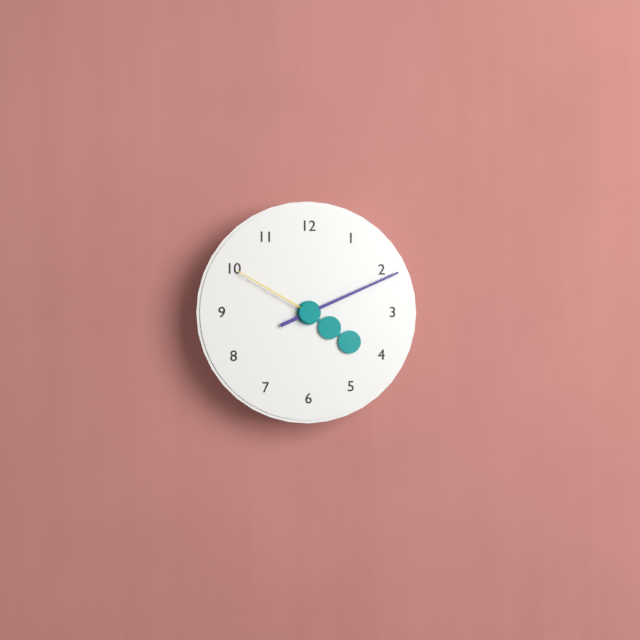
4,11,50
